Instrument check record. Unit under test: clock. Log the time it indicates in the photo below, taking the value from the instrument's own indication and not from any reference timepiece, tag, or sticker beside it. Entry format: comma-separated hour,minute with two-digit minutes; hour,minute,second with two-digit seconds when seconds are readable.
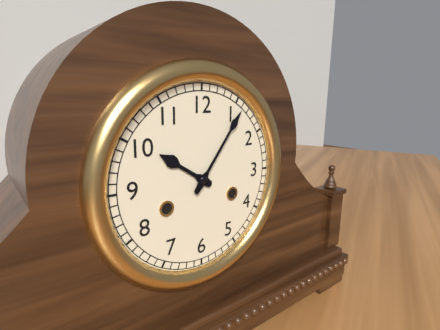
10,06
